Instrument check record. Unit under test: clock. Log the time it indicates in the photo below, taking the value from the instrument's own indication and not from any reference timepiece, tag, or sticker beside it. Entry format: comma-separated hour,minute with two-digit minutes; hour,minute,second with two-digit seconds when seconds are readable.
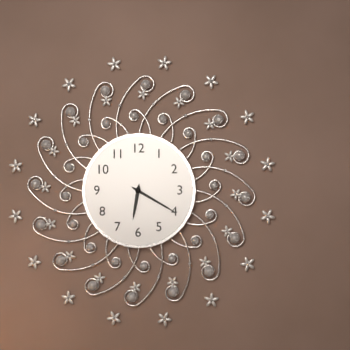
6,20
